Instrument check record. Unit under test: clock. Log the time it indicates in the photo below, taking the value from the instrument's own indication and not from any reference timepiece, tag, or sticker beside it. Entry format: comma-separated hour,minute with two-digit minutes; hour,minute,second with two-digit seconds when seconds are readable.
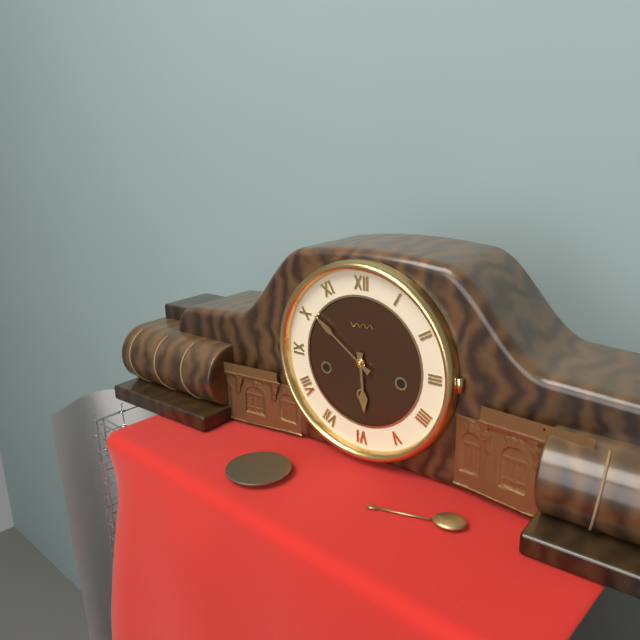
5,51
